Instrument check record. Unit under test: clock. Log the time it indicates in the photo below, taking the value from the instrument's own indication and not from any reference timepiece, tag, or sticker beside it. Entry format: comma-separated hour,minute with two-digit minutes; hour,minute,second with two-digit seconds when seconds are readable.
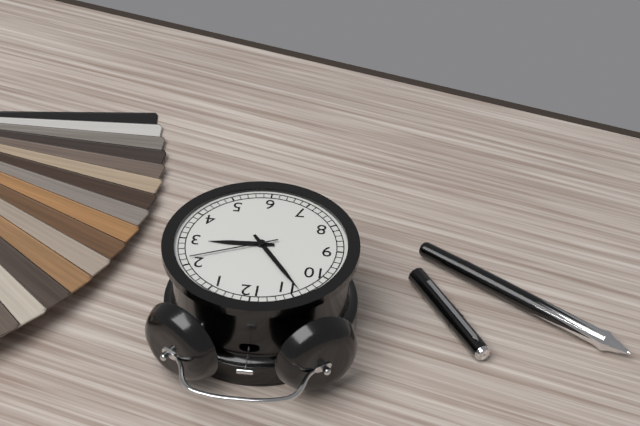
2,54,11
